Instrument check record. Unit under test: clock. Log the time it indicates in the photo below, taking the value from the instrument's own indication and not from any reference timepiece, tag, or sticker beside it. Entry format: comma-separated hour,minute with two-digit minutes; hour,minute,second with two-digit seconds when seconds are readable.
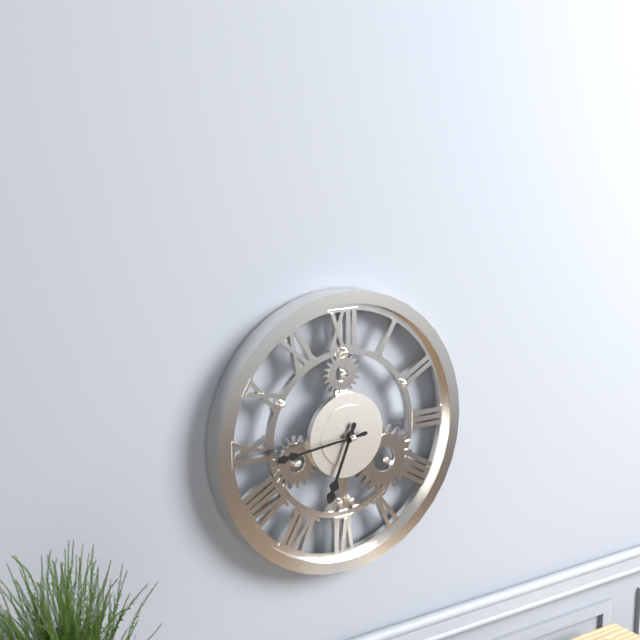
6,44
